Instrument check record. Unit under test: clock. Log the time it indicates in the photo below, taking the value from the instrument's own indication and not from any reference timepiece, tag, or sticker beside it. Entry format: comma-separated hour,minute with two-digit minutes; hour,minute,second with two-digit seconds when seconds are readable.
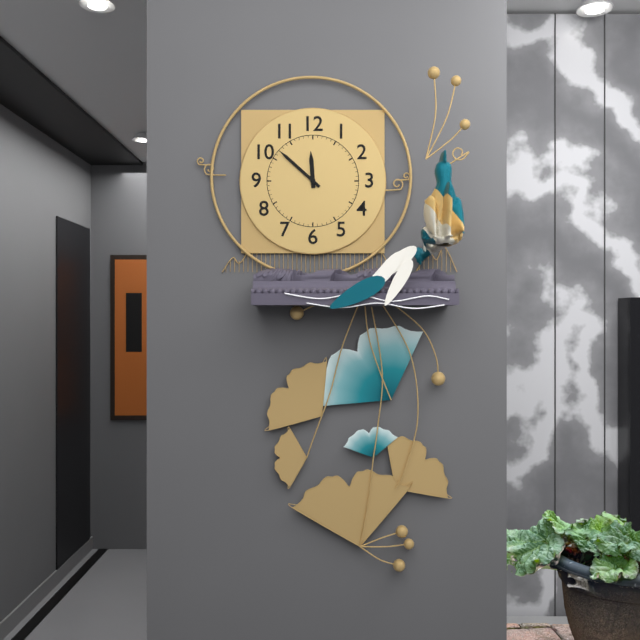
11,52
